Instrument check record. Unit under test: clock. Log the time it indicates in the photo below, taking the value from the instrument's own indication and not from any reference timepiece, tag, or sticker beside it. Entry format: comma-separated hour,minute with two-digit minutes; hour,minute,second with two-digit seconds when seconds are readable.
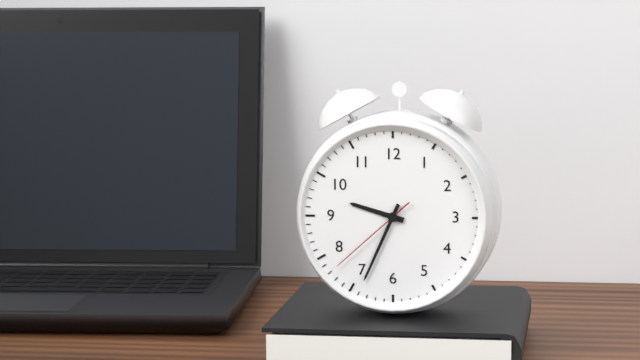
9,34,38
